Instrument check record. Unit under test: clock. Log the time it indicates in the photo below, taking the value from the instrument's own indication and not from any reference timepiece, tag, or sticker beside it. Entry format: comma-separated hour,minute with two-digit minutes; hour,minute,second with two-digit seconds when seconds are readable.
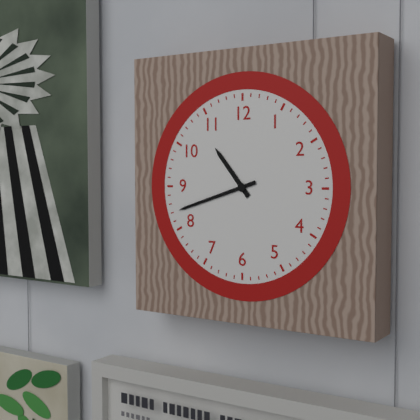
10,42
